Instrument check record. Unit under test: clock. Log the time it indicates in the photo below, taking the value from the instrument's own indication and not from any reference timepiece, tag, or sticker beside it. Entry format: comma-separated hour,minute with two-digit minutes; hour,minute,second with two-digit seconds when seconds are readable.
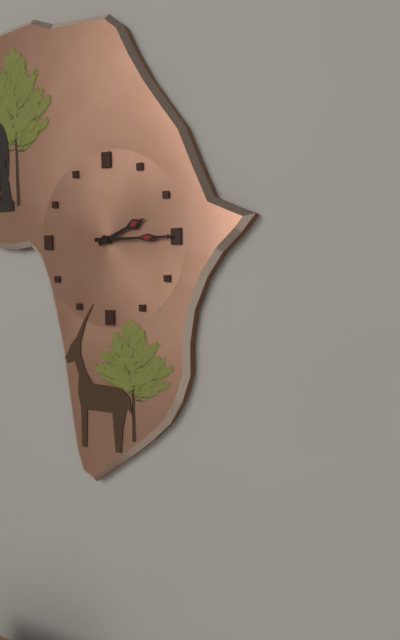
2,15
